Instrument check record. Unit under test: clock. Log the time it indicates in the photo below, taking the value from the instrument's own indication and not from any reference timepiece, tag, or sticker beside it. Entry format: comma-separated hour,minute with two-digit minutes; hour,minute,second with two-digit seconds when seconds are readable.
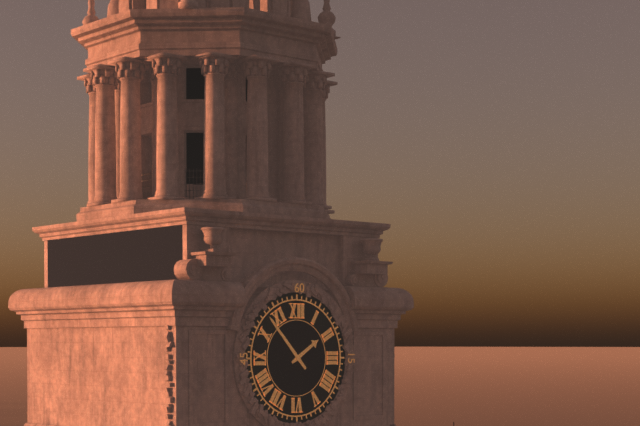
1,53
